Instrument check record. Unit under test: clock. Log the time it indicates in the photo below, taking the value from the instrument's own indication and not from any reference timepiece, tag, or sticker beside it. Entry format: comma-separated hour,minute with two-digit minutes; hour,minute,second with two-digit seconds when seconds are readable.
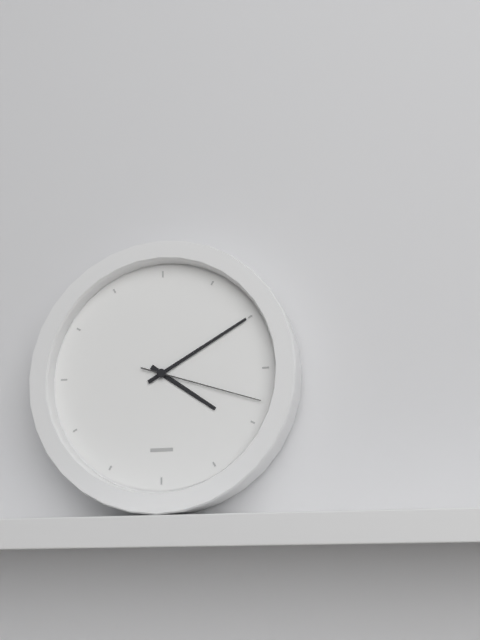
4,10,18
